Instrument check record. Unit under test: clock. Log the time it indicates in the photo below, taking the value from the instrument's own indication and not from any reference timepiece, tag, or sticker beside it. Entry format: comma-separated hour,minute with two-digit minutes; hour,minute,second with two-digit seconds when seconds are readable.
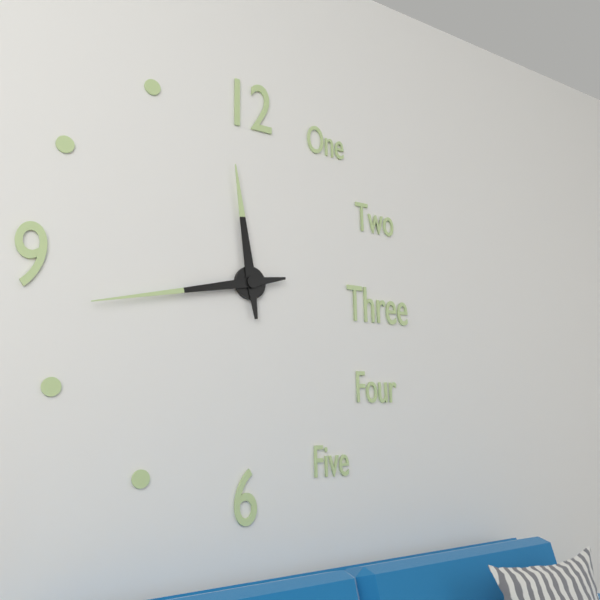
11,43
